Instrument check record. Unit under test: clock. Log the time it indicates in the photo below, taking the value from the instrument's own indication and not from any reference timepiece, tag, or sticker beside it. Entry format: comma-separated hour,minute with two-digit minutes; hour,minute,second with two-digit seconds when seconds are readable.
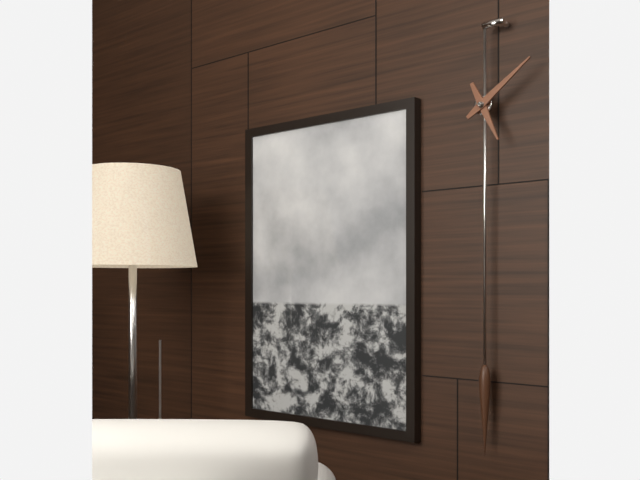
5,09
